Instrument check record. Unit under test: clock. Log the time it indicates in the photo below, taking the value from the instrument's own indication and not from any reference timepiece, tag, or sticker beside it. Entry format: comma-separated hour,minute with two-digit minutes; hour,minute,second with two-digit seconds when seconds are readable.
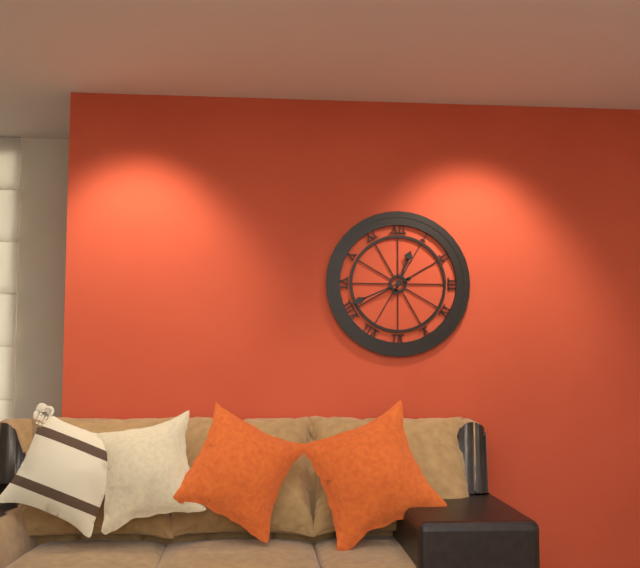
12,41
